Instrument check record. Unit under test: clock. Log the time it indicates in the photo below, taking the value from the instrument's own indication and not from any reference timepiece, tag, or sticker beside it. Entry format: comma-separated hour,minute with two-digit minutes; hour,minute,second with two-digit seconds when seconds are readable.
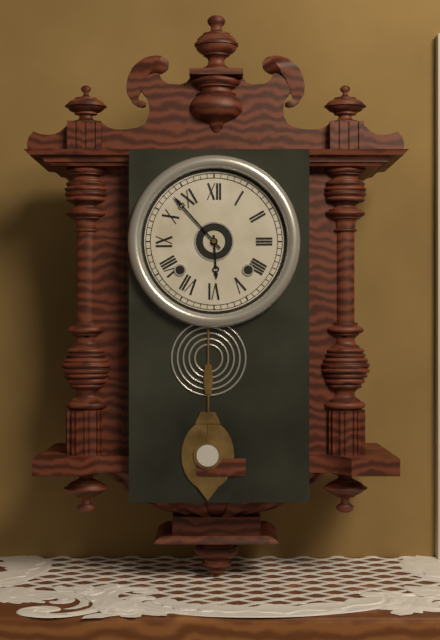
5,53
